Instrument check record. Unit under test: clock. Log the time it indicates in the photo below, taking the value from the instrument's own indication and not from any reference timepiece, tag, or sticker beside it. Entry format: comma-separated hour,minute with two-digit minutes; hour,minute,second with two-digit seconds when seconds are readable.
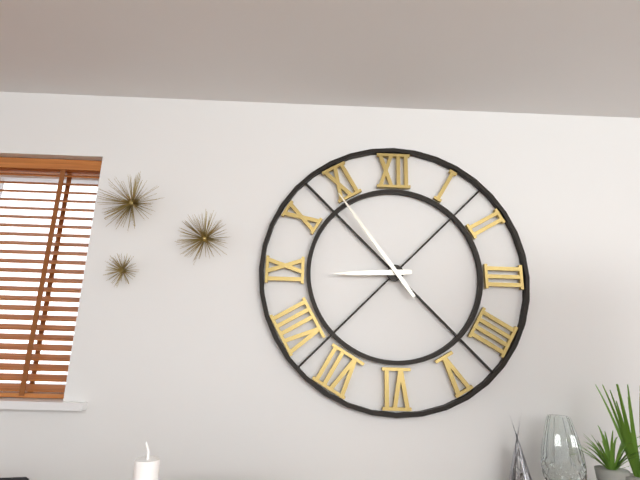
8,54
